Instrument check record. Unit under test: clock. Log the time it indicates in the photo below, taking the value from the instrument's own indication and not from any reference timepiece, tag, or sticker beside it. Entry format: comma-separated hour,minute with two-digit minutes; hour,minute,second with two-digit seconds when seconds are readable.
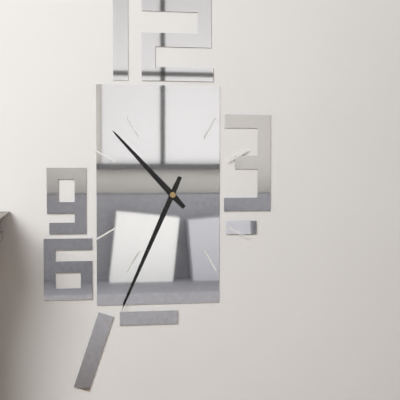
10,34
